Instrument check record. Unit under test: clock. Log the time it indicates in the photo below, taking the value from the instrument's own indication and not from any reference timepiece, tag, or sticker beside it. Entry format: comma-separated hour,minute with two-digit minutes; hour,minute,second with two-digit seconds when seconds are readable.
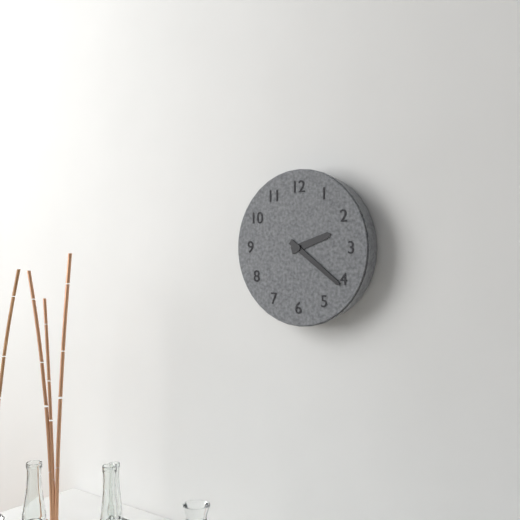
2,21
